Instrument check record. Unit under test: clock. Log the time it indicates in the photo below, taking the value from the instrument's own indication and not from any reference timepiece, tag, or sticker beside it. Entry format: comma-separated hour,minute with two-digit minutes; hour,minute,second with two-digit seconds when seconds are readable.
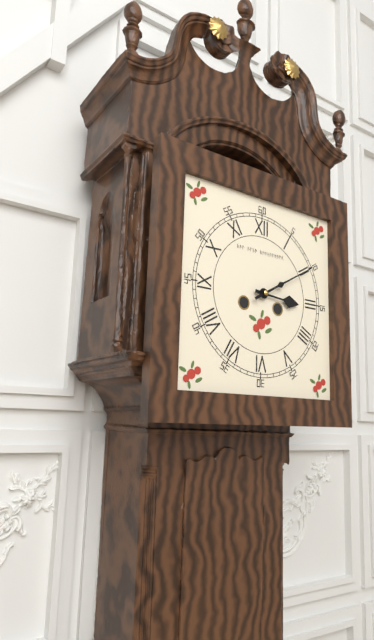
3,10
